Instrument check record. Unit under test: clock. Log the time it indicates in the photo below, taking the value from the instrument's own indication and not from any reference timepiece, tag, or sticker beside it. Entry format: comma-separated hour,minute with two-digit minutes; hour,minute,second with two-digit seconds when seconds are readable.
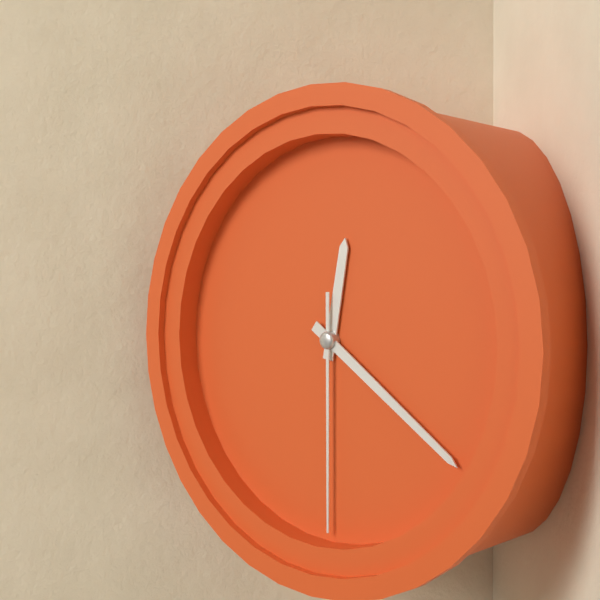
12,21,30
